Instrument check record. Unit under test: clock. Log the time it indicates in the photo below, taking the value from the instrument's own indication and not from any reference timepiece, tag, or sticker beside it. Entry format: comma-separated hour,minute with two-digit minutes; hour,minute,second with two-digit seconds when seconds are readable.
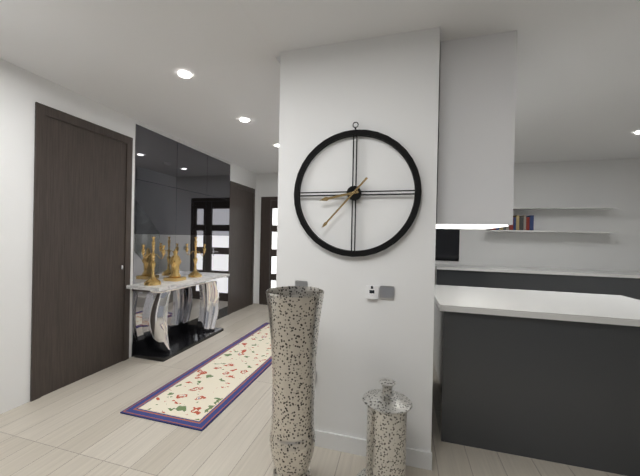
8,37
